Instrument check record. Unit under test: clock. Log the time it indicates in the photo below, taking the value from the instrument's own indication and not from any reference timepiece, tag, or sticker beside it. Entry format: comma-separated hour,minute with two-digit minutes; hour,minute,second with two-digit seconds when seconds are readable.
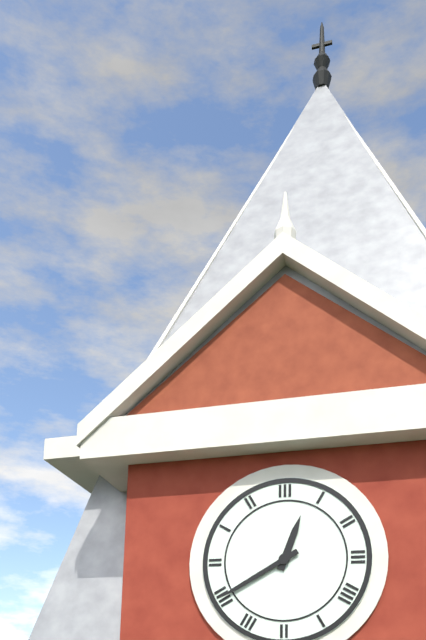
12,40
